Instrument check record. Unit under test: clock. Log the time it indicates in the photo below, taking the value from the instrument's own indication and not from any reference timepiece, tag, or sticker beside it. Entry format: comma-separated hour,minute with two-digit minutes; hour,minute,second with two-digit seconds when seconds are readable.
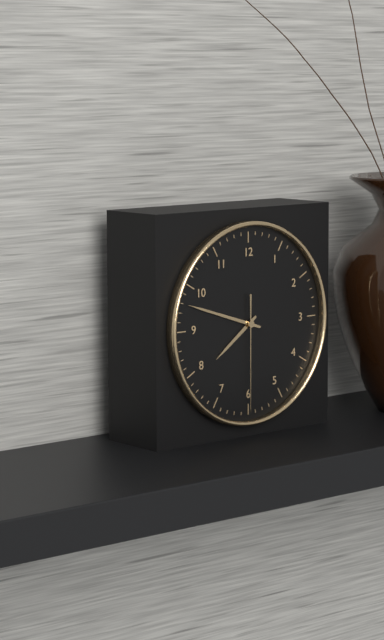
7,48,30
